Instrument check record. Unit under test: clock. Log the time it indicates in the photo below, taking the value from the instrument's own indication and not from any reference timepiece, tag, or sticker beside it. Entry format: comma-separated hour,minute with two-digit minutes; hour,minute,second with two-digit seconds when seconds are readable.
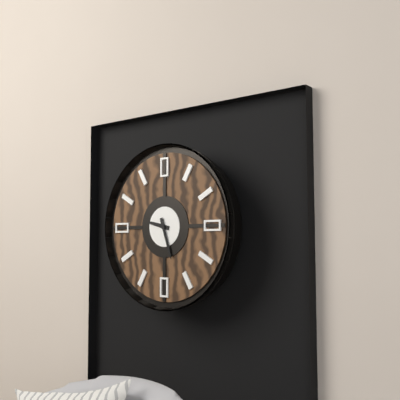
9,27
